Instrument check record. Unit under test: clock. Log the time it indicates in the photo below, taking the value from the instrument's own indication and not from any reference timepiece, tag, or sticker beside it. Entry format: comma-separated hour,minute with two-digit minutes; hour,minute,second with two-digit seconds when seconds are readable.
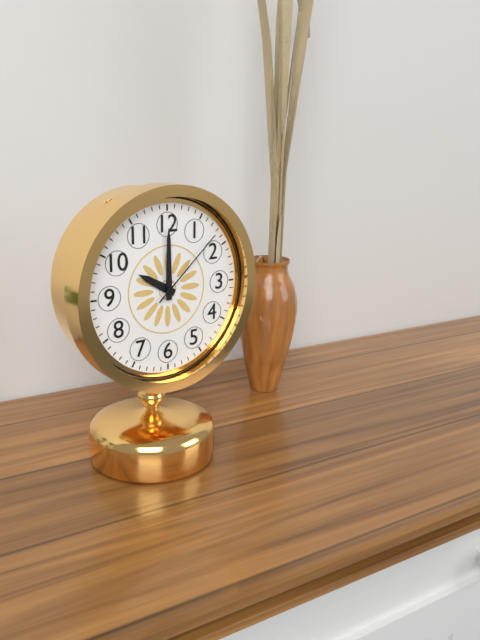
10,00,08
